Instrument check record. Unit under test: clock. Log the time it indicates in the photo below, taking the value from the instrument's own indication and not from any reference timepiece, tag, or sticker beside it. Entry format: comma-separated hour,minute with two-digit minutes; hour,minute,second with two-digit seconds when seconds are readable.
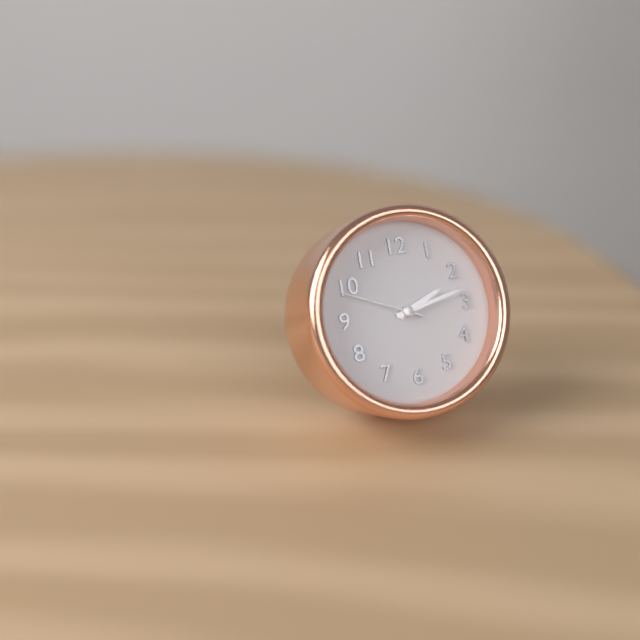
2,13,49
